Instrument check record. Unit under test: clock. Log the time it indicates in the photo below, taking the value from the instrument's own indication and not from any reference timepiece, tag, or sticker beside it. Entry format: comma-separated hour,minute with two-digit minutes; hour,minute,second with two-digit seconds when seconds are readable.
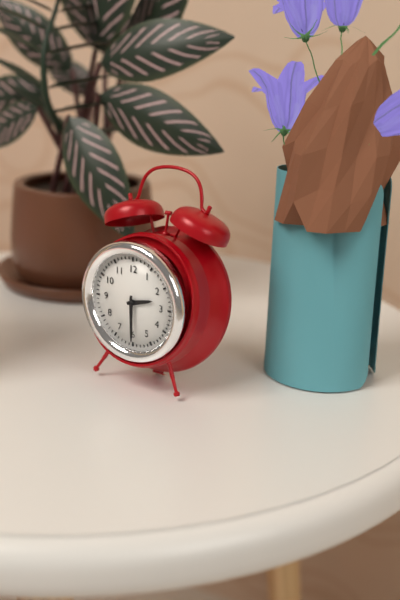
2,30
